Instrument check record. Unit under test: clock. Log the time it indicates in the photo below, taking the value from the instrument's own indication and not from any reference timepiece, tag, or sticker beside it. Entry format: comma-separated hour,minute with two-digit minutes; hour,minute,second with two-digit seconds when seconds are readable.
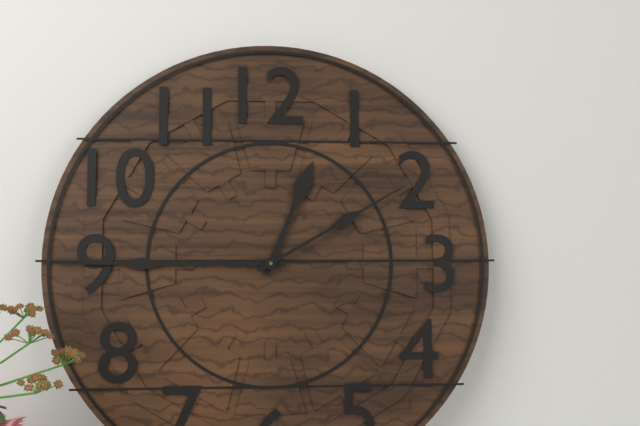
12,45,10
